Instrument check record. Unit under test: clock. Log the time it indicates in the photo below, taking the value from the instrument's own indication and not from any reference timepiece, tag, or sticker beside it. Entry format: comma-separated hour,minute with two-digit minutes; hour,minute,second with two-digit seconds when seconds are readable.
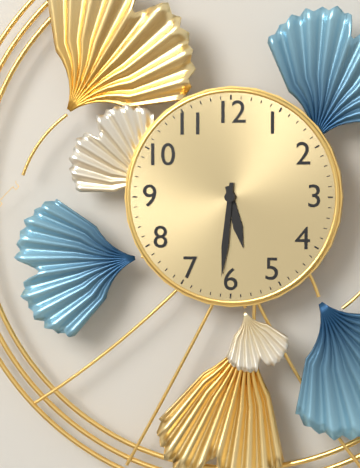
5,31
